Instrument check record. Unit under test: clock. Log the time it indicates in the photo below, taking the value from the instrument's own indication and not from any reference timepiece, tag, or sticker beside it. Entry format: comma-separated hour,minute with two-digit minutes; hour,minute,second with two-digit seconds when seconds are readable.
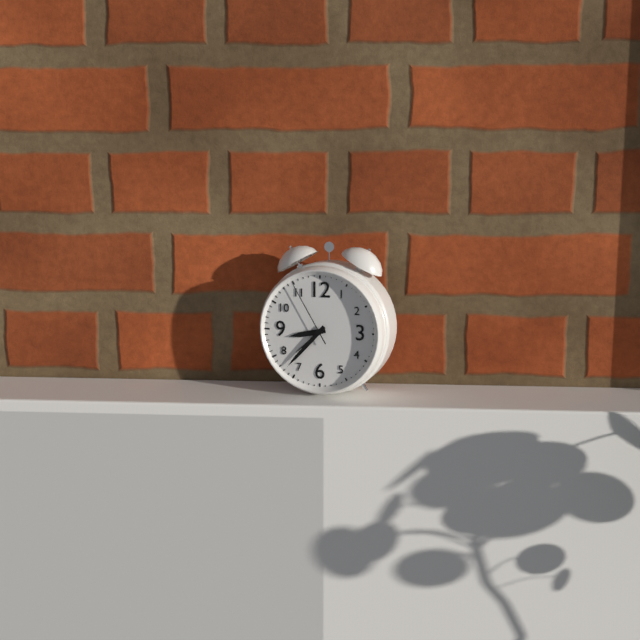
8,37,55
